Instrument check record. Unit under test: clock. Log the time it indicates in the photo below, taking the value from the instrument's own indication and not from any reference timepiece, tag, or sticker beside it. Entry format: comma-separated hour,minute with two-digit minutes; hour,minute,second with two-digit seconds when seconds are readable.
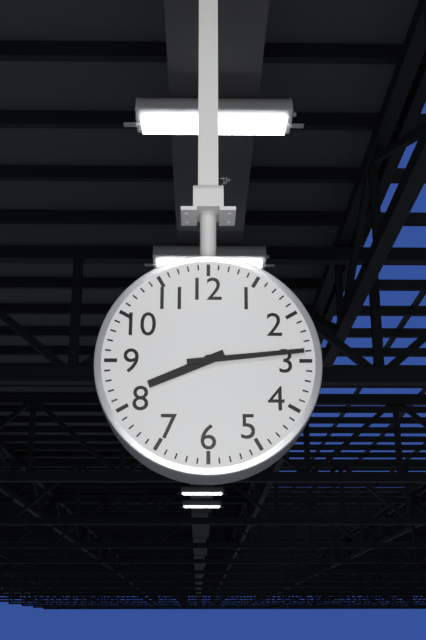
8,14
